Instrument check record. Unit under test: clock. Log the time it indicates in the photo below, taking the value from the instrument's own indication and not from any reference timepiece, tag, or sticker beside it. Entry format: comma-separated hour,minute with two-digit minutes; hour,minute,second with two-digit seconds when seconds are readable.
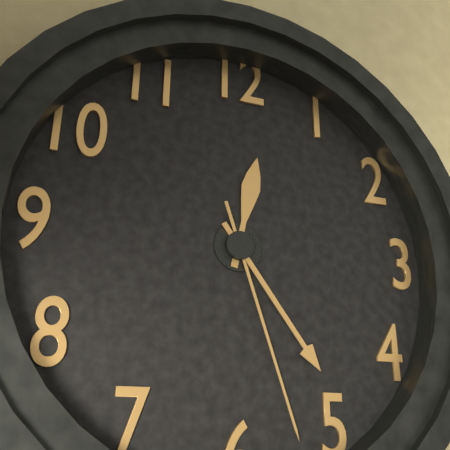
12,24,27
